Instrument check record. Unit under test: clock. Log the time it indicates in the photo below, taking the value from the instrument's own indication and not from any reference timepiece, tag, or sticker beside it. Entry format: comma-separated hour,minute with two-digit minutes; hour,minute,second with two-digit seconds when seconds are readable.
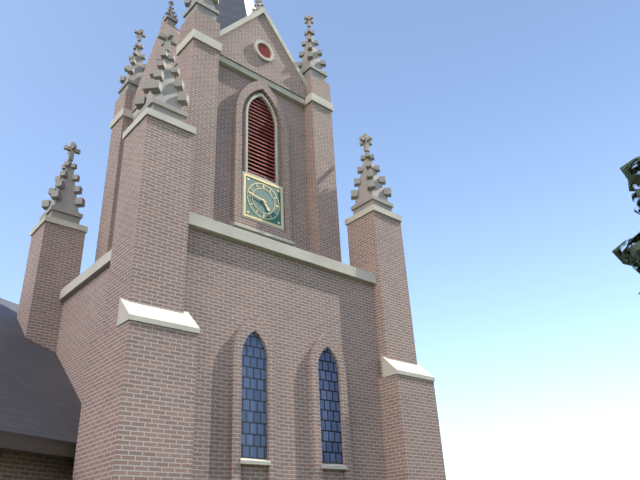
4,47
